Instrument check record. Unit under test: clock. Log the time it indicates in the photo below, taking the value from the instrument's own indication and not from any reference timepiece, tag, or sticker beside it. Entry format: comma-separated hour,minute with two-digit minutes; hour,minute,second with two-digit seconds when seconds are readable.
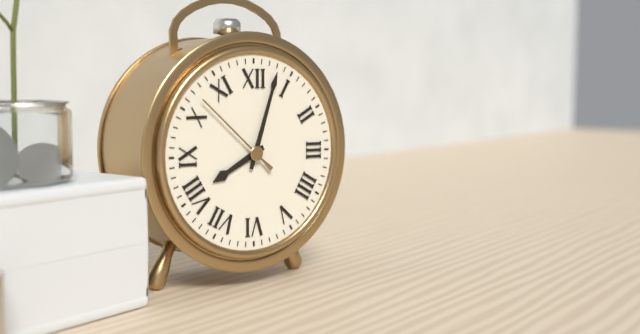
8,03,52
